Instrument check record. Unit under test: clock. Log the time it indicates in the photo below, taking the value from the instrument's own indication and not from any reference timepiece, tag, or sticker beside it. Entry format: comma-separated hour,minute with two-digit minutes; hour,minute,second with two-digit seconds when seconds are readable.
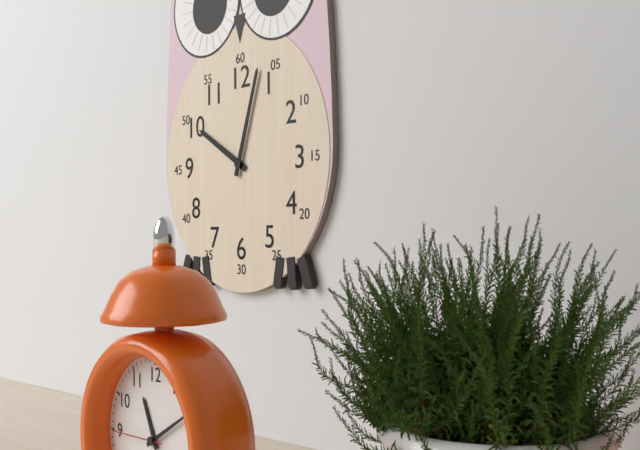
10,03
